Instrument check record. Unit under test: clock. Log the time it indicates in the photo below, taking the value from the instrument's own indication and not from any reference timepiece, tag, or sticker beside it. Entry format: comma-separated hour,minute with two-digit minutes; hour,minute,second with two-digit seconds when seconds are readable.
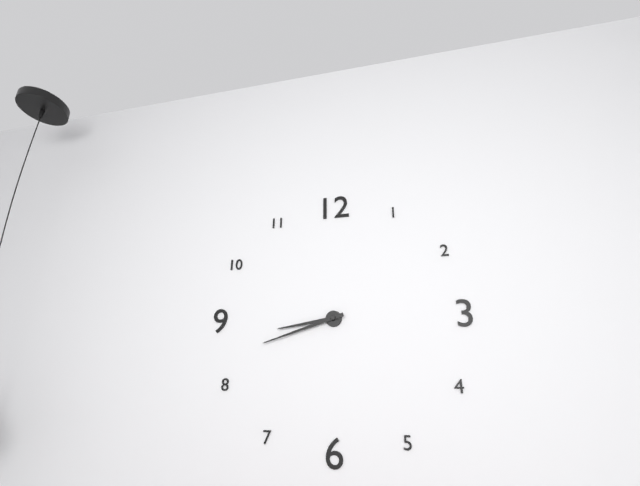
8,42
